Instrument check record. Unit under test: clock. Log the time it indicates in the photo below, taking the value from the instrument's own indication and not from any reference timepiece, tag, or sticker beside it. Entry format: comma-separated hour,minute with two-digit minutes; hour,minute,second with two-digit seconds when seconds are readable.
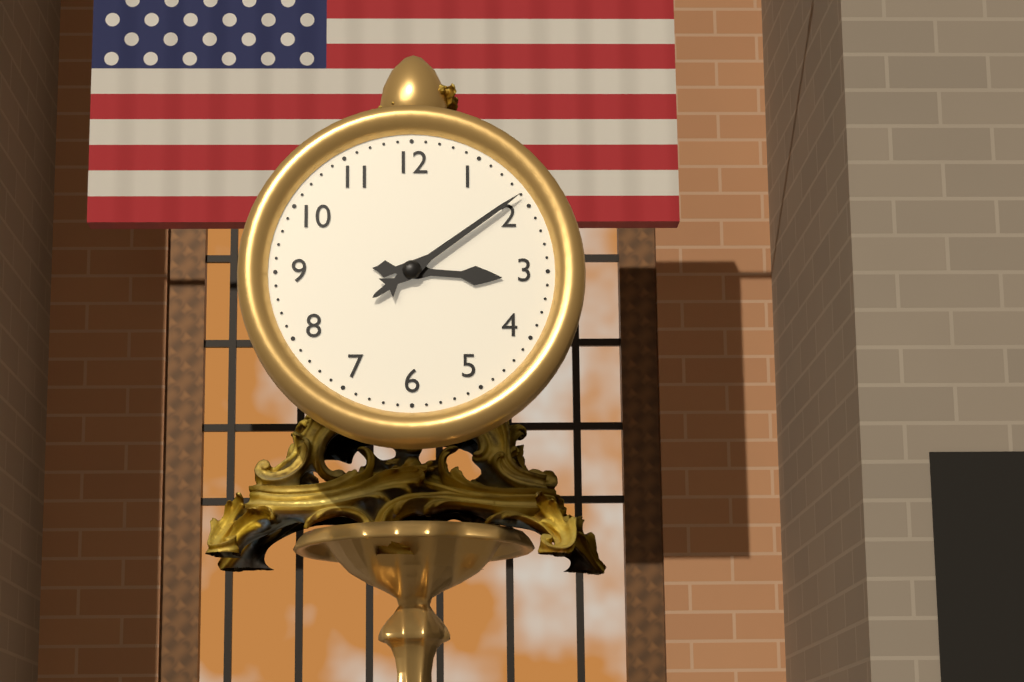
3,09
